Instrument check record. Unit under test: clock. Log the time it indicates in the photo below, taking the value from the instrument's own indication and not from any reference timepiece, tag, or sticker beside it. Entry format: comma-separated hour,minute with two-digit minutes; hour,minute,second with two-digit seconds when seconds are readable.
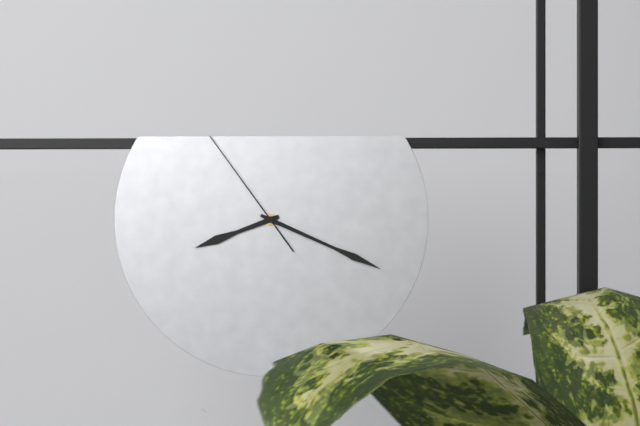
8,19,54
